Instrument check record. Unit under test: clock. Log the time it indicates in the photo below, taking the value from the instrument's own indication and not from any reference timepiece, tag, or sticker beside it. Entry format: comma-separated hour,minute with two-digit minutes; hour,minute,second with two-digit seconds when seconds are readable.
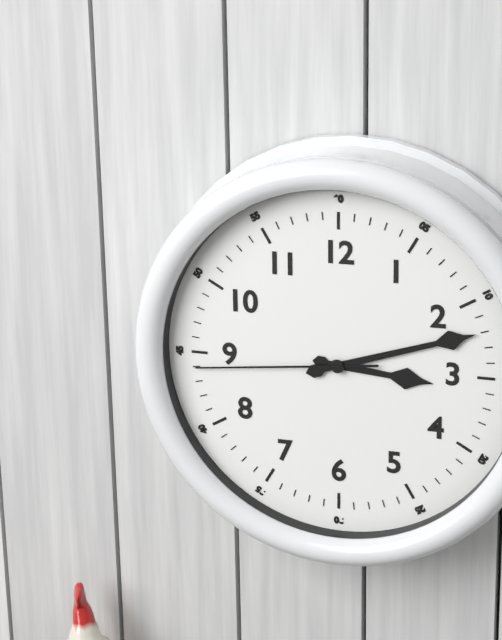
3,12,44
